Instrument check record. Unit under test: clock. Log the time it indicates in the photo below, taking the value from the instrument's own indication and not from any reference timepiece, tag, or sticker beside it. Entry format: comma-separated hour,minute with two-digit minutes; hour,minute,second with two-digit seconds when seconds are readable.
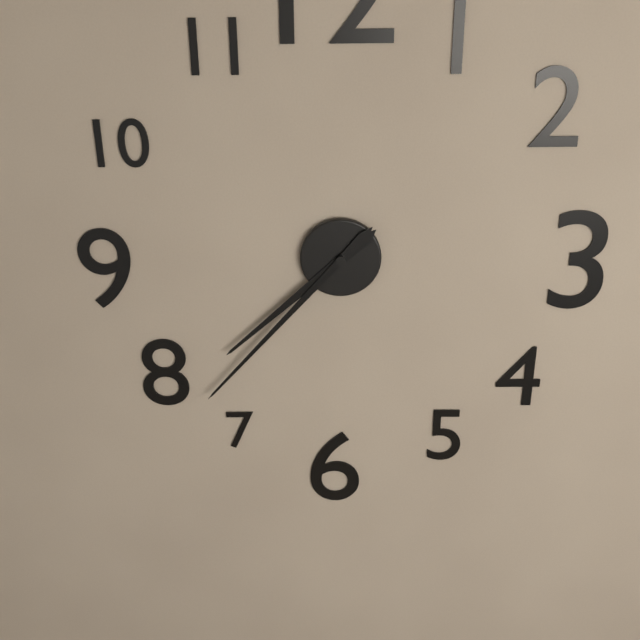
7,37
